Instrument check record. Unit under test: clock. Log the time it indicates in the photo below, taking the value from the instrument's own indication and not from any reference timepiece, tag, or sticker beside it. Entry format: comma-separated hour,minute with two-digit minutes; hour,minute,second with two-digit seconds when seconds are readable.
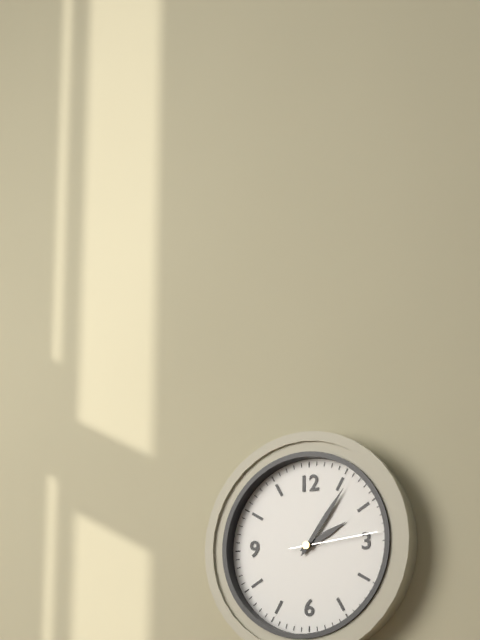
2,06,14
